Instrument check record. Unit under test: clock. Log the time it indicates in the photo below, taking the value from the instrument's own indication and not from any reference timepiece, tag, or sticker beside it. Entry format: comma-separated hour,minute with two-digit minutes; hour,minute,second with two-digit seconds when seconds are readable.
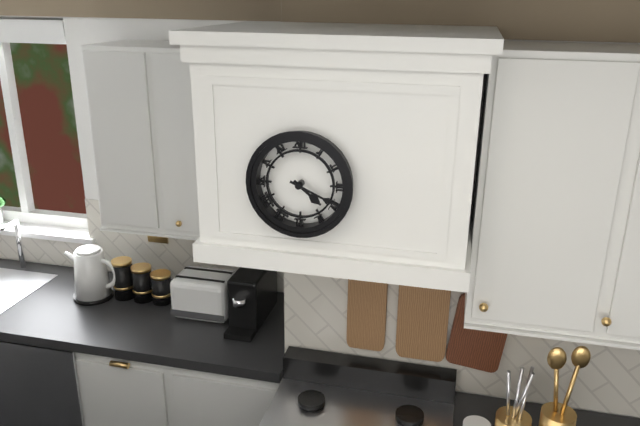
4,19
